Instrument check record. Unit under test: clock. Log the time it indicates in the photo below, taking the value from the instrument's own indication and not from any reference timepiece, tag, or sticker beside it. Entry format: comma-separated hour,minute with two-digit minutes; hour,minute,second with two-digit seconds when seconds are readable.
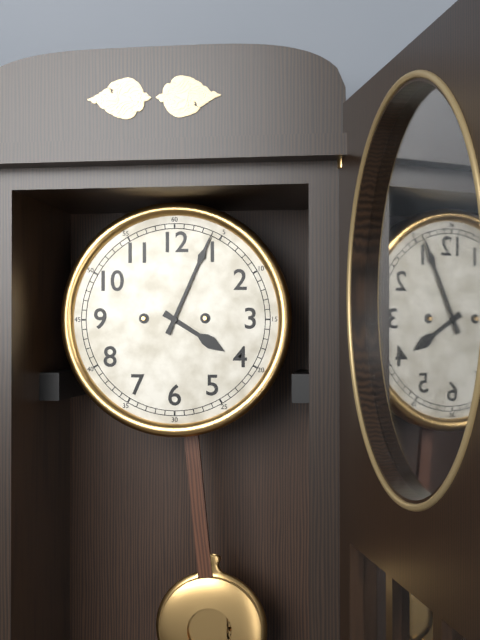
4,04
